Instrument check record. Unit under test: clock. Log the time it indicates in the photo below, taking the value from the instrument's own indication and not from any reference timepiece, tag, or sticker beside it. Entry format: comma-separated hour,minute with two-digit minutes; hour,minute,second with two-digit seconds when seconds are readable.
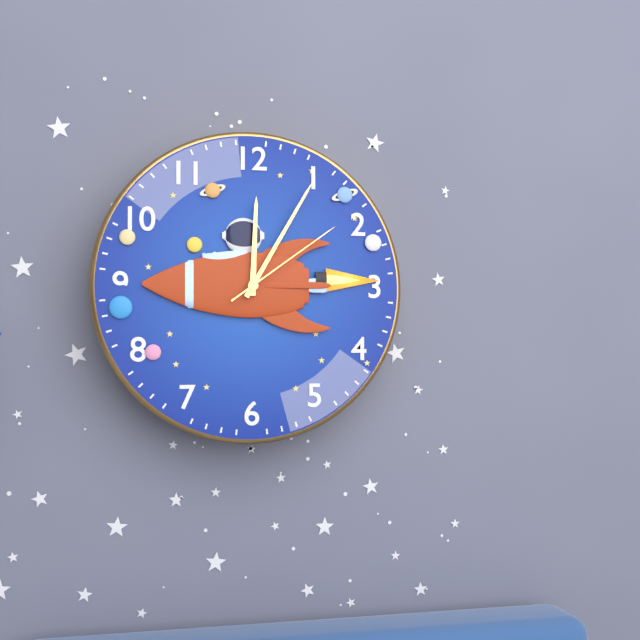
12,05,09
